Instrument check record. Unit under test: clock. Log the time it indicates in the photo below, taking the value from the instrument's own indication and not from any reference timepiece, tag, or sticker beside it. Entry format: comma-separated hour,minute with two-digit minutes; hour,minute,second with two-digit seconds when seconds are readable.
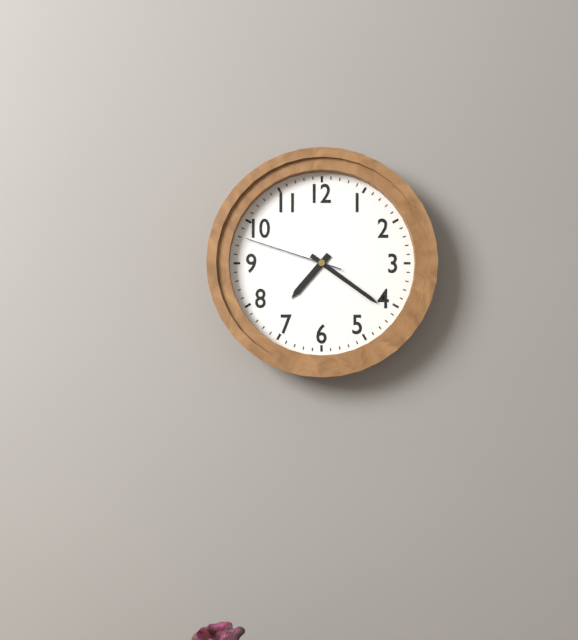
7,21,48
